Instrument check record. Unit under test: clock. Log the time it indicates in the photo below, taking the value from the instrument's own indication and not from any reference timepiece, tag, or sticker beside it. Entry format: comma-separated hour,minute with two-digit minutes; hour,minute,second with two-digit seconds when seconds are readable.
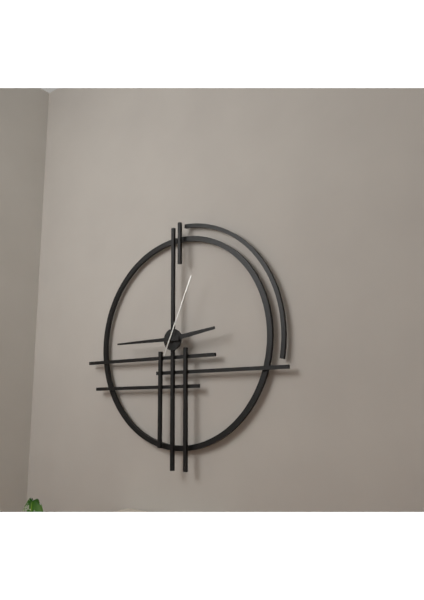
2,45,04
